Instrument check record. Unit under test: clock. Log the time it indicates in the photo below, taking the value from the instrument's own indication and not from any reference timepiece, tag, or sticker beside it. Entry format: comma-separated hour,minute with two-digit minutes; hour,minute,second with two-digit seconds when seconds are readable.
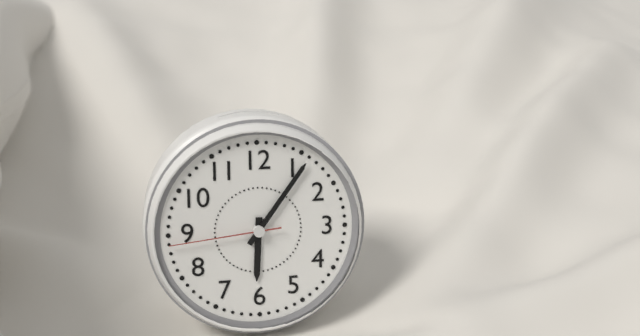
6,06,44
